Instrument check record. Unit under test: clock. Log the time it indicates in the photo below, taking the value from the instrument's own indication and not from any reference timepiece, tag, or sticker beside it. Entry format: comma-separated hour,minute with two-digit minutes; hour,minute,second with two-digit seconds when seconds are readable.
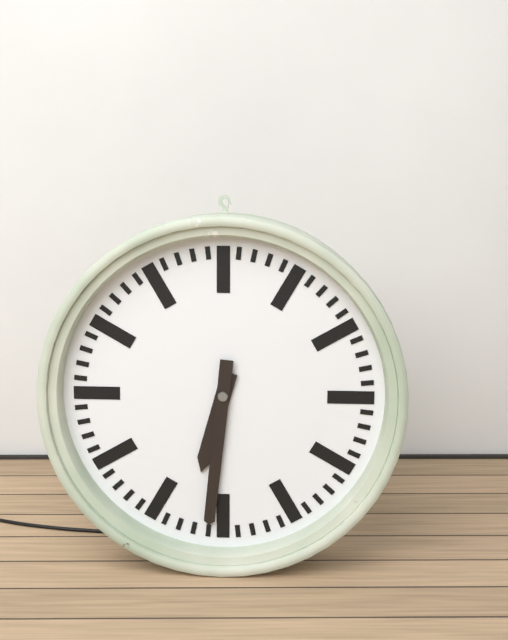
6,31
